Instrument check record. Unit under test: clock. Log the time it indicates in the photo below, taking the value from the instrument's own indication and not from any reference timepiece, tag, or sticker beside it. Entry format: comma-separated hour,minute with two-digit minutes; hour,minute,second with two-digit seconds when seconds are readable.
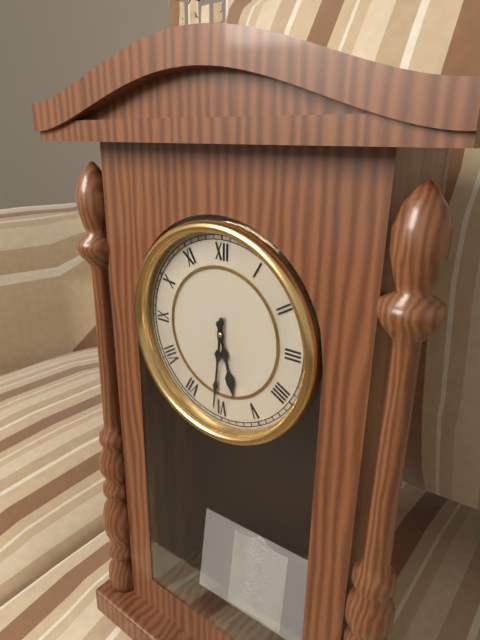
5,31
